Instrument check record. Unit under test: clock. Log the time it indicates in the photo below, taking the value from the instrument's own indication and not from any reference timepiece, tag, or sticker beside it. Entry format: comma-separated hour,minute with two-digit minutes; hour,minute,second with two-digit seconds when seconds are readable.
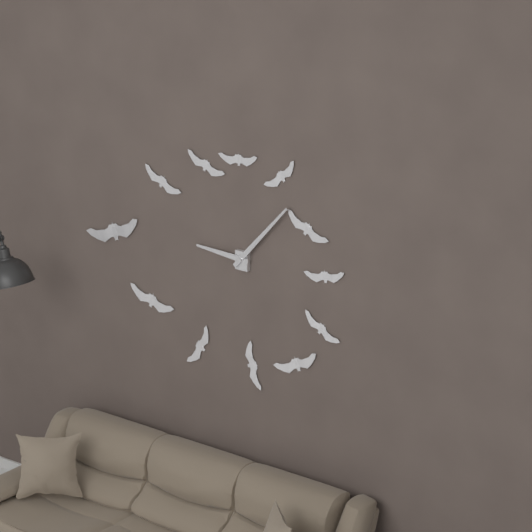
9,07
